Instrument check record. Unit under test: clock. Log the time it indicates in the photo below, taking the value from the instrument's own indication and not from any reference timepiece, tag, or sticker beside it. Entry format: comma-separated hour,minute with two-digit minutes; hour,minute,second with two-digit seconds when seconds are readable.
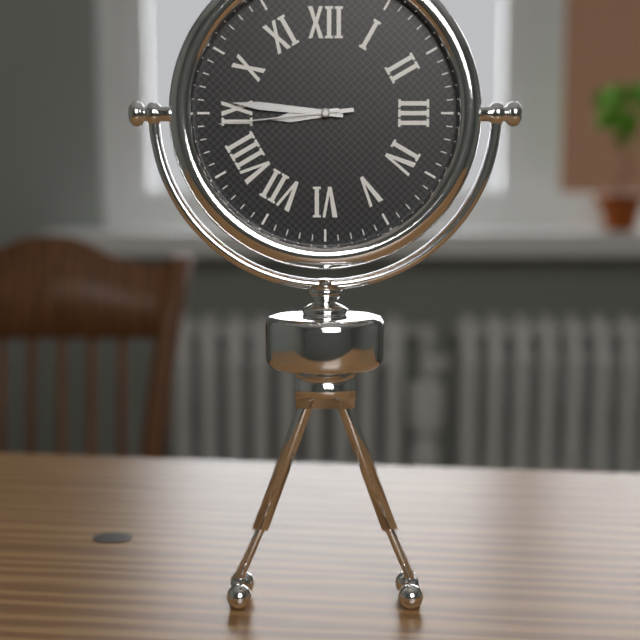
8,46,44
